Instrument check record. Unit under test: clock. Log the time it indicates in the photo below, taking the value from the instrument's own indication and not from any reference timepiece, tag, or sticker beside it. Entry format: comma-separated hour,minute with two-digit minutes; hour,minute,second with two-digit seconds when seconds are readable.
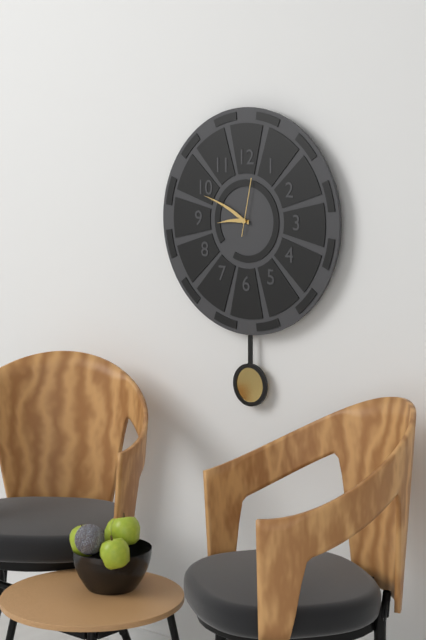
8,49,02
